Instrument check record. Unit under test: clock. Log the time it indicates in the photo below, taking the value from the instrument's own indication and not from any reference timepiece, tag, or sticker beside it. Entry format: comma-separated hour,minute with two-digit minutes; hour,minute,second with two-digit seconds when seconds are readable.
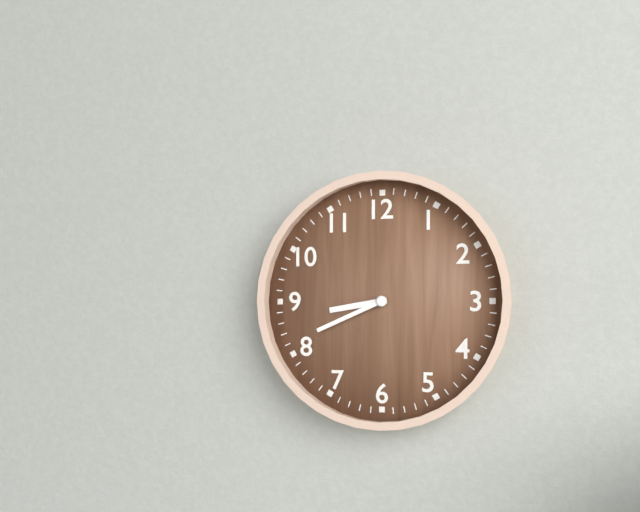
8,41
